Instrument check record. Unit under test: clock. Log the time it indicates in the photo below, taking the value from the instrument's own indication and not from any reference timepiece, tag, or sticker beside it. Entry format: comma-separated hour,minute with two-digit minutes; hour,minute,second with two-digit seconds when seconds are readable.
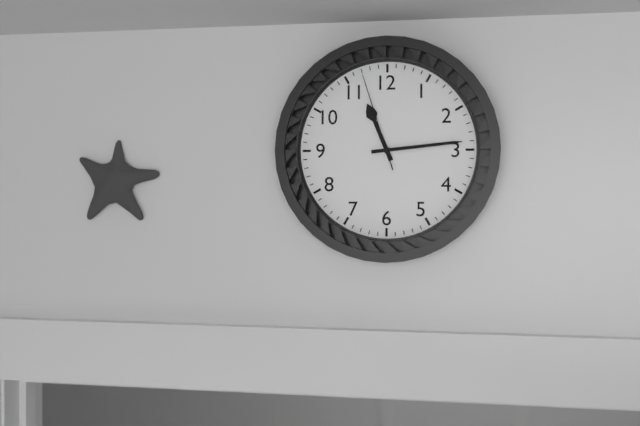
11,14,57
